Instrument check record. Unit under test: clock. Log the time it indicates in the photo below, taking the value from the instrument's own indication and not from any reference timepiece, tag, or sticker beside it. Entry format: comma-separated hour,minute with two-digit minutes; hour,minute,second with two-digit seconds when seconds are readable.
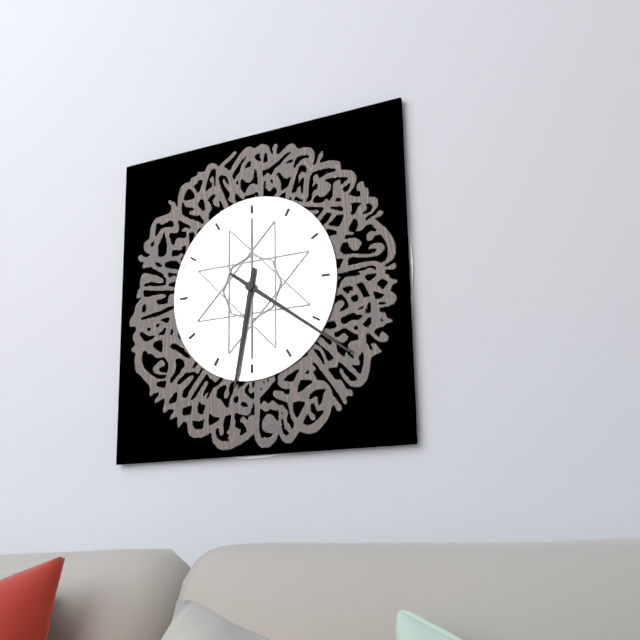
6,21
